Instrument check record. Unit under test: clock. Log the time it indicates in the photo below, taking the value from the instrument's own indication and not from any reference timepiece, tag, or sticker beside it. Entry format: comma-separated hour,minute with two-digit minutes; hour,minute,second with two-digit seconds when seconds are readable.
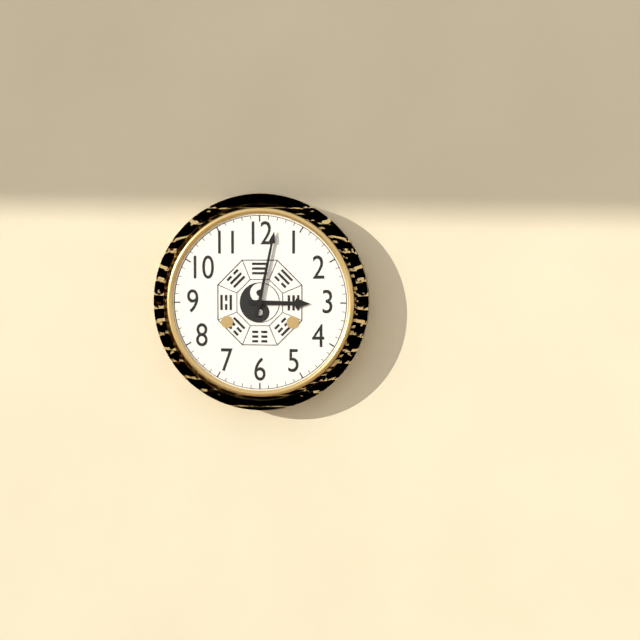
3,02
